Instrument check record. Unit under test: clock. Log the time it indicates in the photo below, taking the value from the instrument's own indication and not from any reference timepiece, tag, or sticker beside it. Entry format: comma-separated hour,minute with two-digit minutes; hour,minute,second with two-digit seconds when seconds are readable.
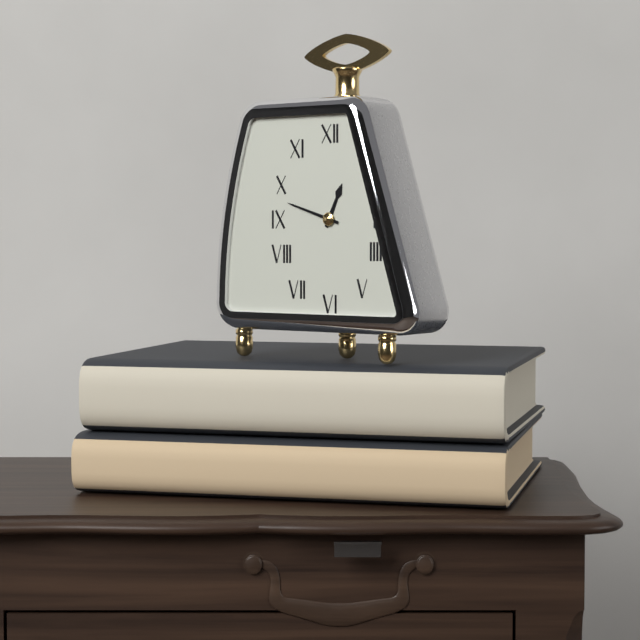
12,48
